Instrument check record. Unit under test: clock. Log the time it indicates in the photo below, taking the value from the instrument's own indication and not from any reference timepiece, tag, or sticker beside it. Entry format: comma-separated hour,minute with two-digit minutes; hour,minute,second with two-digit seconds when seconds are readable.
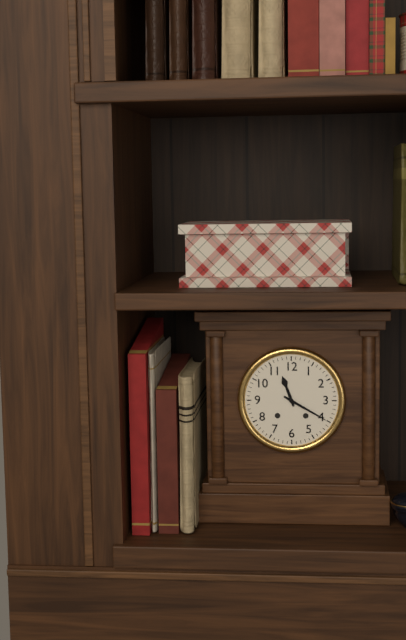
11,20
